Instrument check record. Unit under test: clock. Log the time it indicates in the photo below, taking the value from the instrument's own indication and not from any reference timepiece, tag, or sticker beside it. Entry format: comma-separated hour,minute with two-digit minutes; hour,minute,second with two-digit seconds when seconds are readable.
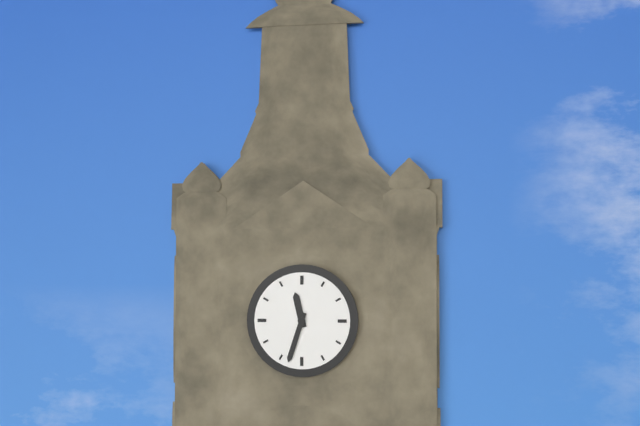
11,33
